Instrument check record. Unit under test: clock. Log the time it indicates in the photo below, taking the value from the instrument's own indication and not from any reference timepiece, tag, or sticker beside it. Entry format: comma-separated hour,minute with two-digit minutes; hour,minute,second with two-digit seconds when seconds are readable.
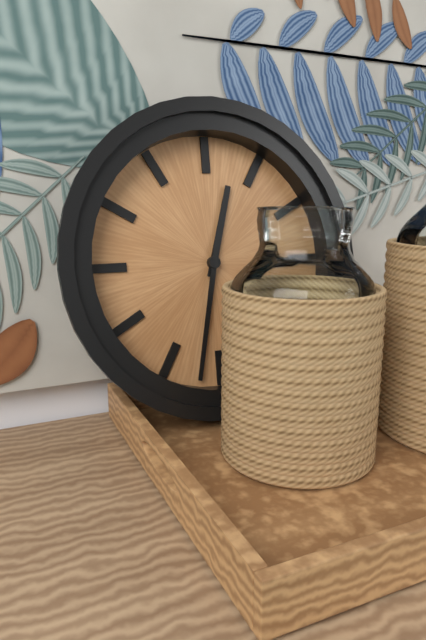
12,32
